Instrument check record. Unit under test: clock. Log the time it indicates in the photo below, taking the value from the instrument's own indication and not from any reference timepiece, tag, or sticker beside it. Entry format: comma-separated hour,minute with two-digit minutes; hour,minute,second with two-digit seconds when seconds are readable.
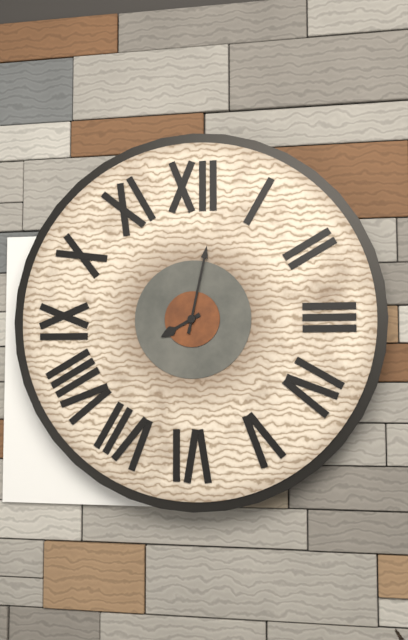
8,02
